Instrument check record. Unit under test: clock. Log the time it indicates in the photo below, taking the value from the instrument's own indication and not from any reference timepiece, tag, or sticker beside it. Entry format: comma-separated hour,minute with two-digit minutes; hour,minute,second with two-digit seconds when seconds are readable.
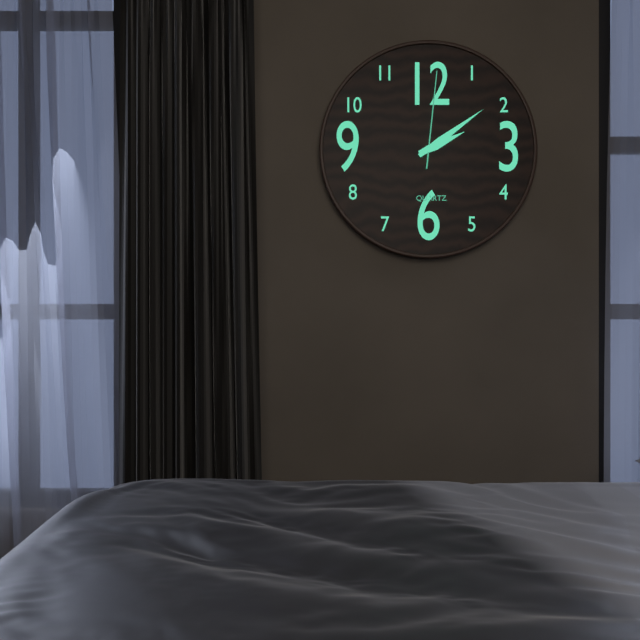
2,09,01
